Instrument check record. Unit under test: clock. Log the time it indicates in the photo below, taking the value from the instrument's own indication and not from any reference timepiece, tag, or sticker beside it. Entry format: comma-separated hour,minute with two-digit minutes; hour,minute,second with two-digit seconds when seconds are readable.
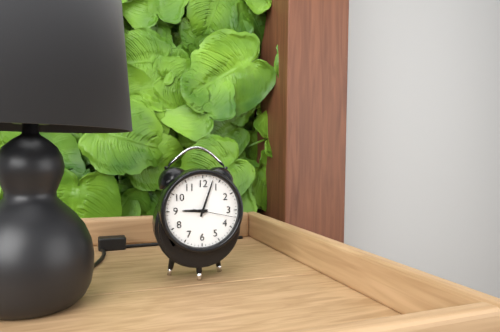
9,03
